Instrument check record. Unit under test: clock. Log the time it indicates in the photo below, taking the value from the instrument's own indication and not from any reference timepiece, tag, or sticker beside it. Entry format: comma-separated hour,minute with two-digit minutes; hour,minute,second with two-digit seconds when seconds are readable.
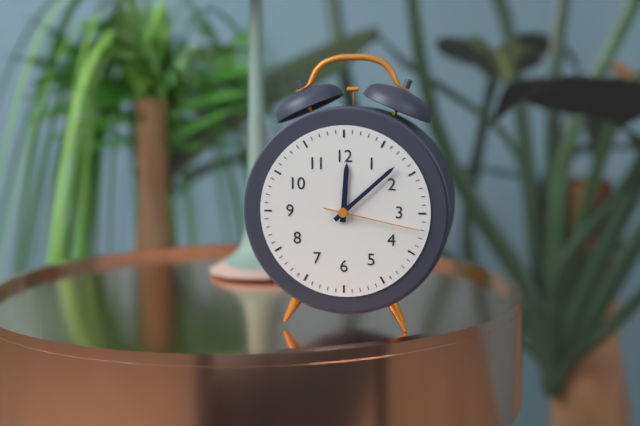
12,08,17
